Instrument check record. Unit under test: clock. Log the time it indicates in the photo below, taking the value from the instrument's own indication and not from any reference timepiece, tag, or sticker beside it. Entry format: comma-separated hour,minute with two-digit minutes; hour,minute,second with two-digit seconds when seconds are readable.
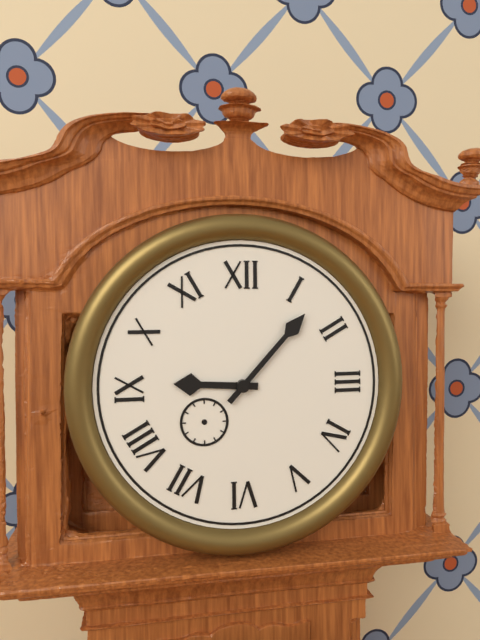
9,07
